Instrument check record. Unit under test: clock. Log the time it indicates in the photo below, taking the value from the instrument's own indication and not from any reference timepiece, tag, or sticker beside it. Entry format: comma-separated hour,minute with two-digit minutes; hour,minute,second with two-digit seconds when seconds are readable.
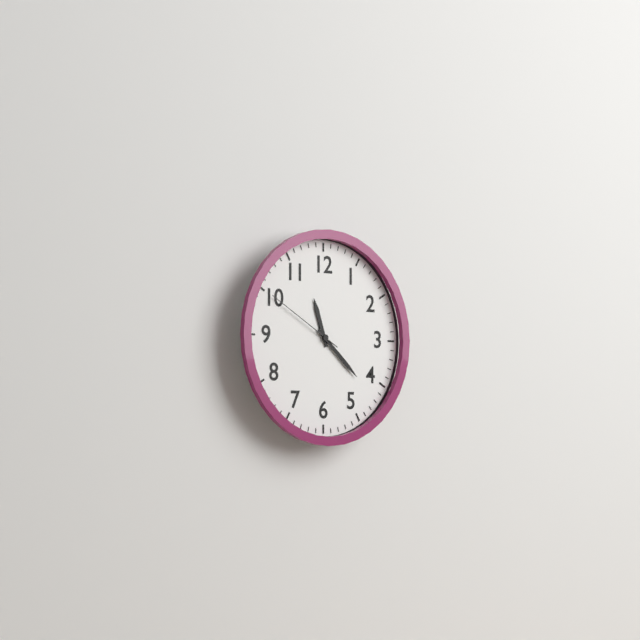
11,22,50
